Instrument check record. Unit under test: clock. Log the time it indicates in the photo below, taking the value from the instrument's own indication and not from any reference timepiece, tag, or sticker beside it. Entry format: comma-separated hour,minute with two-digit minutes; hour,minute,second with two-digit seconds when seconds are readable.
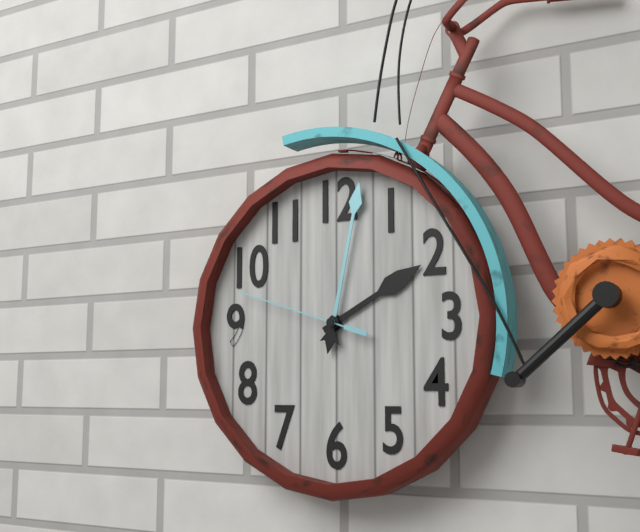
2,02,48
